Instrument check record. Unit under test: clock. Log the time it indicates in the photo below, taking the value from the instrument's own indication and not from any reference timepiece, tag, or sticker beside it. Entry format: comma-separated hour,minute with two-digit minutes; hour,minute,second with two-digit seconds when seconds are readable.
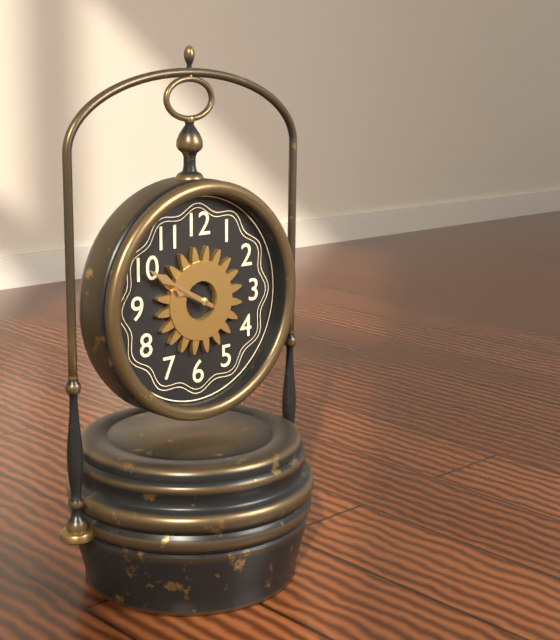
9,50
